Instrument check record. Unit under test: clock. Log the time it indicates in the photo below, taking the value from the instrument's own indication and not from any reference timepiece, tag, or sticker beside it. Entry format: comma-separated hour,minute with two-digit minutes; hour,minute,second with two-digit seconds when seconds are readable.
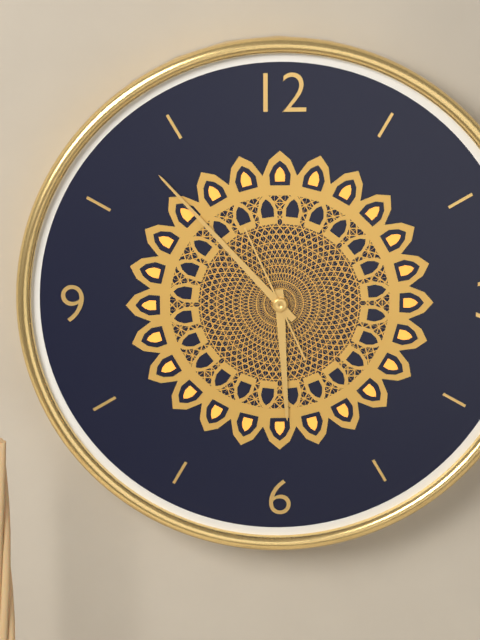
5,53,56
